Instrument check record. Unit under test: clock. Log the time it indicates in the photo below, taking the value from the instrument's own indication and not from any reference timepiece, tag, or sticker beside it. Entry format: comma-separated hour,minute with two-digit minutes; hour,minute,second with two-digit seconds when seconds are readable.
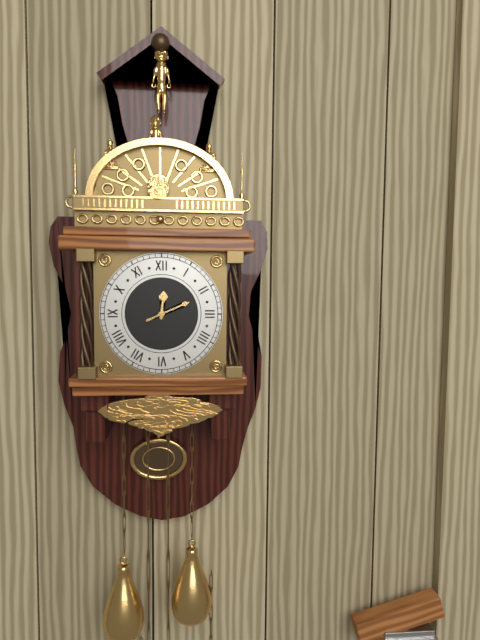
12,11
